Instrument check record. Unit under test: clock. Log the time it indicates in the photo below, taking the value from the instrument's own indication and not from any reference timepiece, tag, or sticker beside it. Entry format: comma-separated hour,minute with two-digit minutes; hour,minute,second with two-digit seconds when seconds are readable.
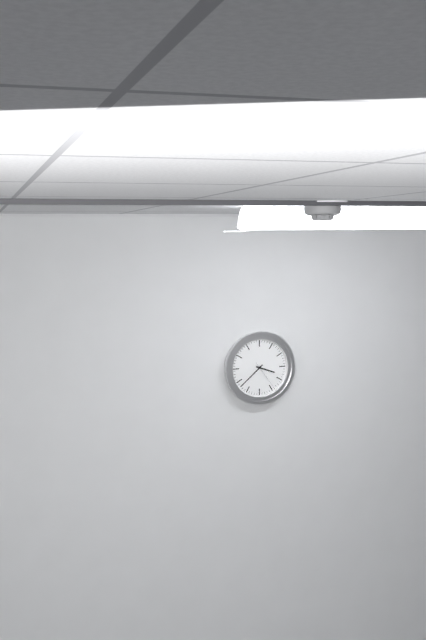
3,38
